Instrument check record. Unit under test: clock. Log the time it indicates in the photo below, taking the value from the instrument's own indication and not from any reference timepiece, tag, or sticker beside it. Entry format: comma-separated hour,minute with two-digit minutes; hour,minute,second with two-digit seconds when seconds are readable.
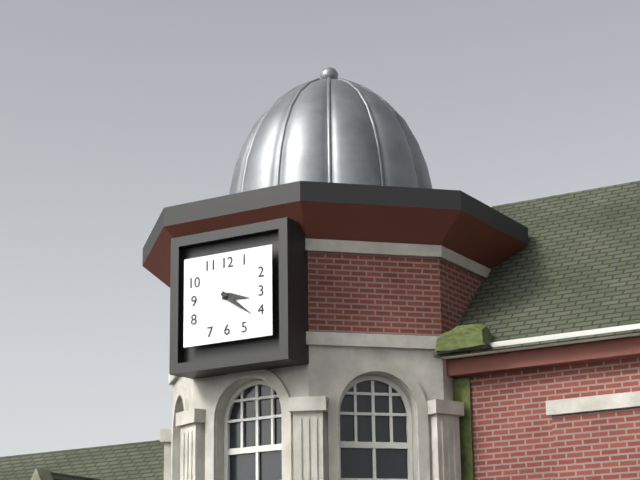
3,21
